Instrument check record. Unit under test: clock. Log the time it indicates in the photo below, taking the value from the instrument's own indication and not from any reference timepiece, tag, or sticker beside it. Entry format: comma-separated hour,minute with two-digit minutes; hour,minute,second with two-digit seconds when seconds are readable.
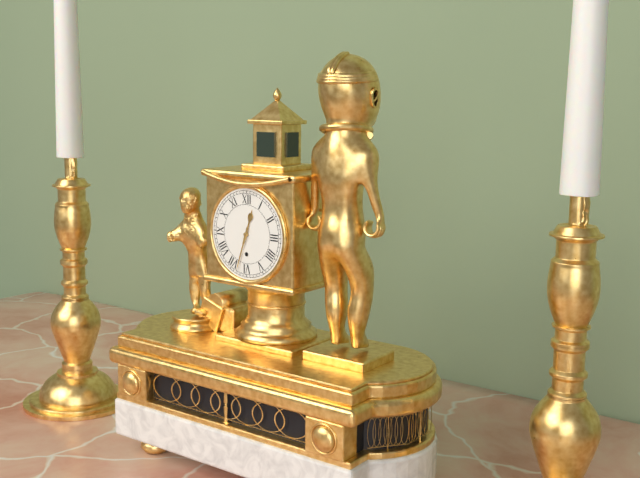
12,33
